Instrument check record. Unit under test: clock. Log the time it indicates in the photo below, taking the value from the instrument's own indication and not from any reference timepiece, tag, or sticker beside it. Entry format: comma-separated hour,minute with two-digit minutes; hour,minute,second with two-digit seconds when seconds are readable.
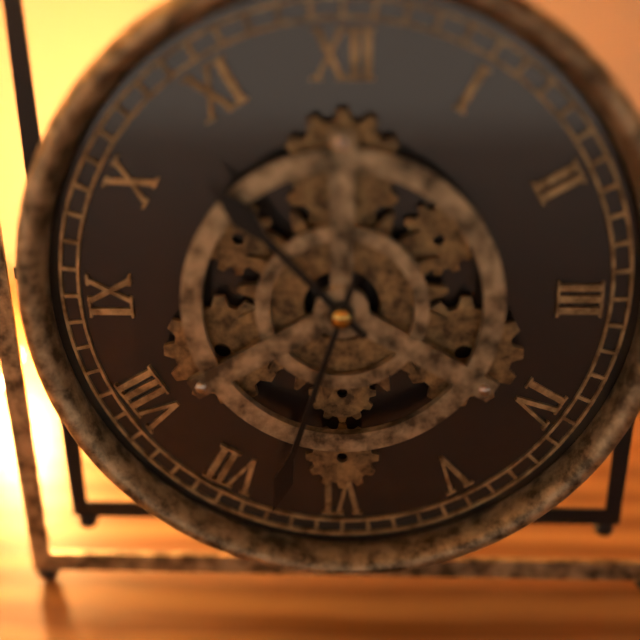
10,33
